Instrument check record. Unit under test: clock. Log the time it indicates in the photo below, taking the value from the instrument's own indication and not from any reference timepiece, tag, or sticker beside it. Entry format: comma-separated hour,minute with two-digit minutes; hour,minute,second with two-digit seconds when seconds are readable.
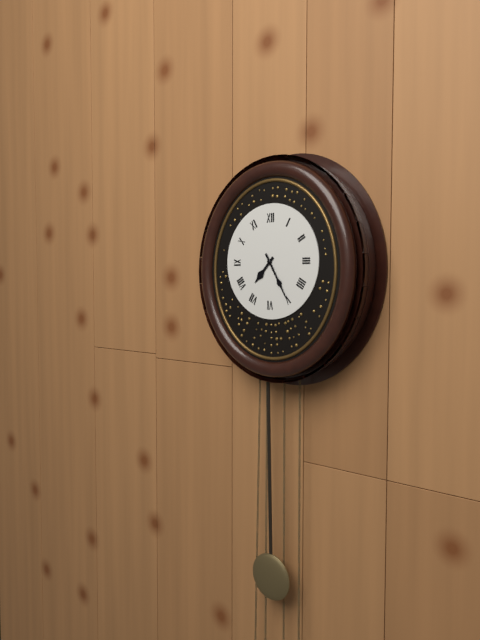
7,25
